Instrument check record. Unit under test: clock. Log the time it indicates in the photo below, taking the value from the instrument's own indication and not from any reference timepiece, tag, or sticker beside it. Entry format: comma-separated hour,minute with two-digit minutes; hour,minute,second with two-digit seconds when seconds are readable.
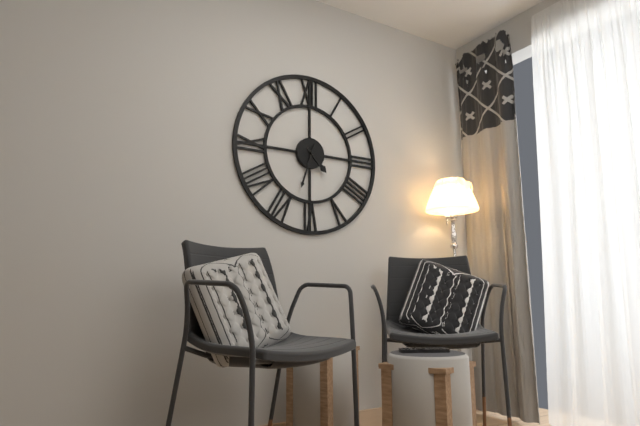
4,33
